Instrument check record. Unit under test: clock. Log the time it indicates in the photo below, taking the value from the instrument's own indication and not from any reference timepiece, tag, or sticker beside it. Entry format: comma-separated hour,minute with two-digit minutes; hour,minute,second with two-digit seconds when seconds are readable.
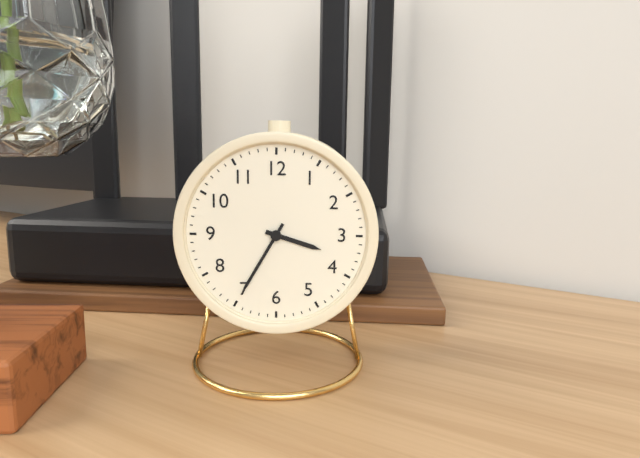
3,35
